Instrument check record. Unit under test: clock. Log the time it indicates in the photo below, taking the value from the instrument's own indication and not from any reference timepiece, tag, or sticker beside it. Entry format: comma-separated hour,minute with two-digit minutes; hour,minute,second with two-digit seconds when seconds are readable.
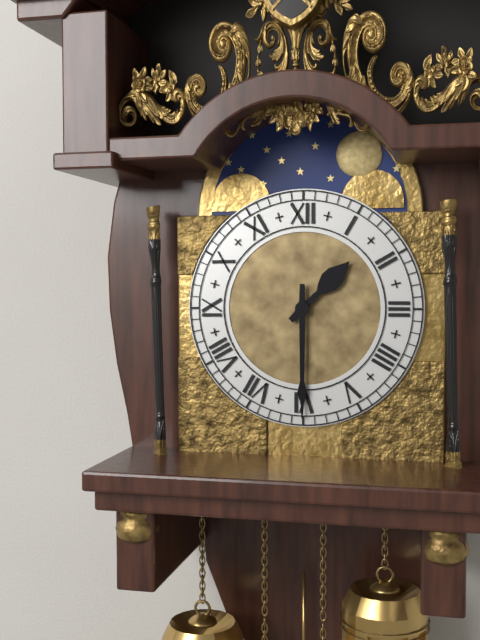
1,30
